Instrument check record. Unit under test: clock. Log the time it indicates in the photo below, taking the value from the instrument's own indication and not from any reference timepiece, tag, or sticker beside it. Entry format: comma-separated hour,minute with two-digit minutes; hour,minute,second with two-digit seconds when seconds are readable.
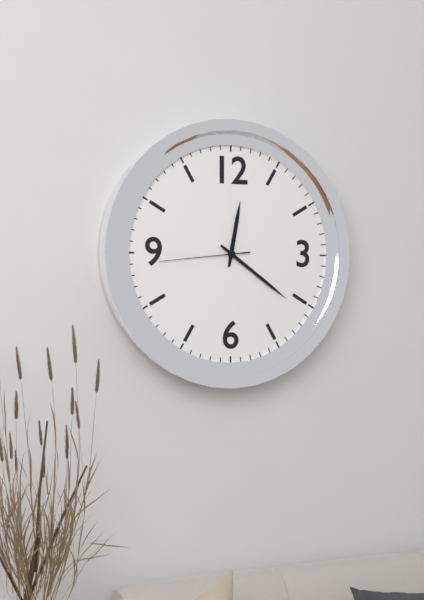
12,21,44
